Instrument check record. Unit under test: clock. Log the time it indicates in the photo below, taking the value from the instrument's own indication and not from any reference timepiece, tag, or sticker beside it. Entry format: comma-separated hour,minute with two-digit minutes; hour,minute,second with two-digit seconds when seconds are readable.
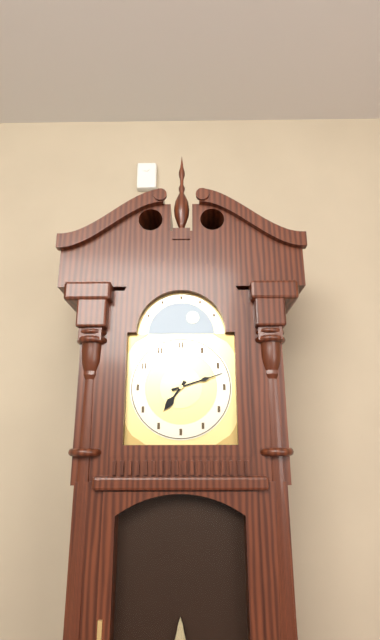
7,12
